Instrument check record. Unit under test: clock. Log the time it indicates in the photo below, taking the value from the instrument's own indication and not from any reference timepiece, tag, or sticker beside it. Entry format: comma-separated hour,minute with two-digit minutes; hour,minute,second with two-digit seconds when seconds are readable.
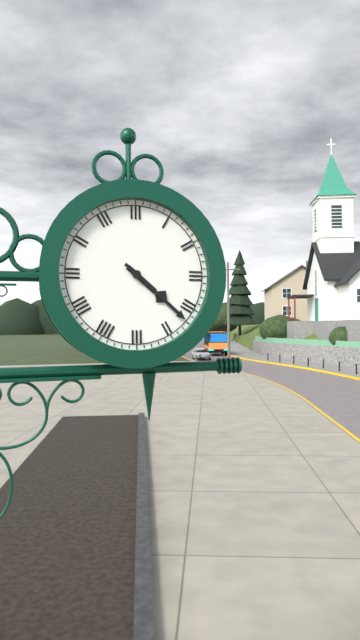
4,22
